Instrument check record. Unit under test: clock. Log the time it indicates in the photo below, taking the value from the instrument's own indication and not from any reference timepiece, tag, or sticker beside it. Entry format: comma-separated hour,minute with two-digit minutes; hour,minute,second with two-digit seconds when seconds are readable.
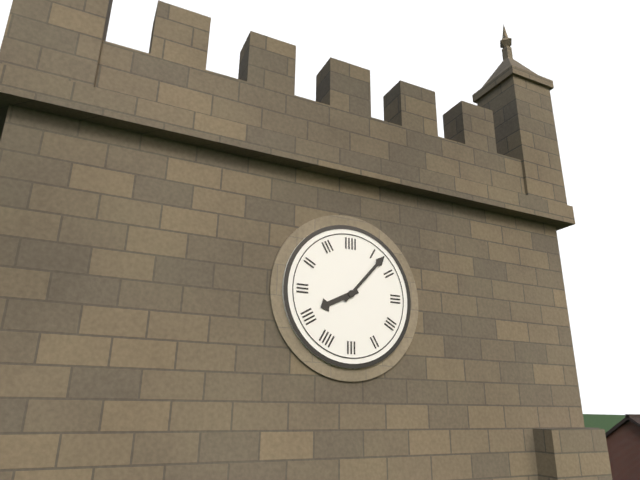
8,07
